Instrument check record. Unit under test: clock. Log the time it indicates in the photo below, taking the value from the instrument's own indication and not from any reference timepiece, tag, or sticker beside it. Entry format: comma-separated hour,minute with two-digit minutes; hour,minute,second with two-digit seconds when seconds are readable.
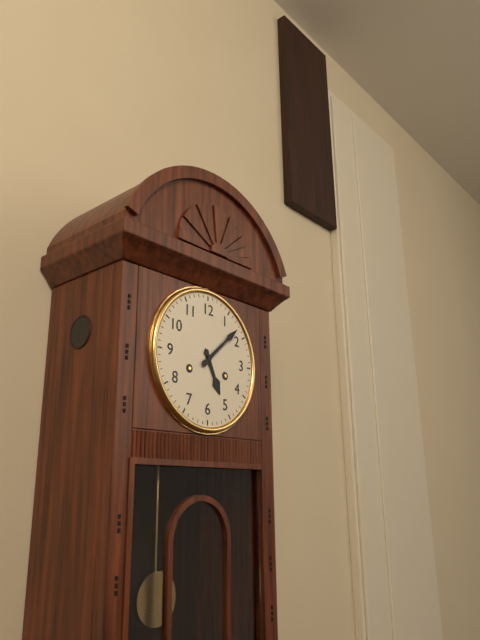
5,08
